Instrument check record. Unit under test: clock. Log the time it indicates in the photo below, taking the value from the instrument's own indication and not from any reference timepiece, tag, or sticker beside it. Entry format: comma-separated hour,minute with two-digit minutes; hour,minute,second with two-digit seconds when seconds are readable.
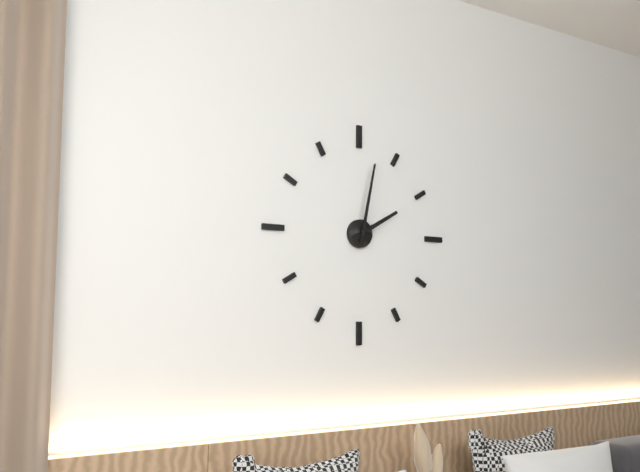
2,02
